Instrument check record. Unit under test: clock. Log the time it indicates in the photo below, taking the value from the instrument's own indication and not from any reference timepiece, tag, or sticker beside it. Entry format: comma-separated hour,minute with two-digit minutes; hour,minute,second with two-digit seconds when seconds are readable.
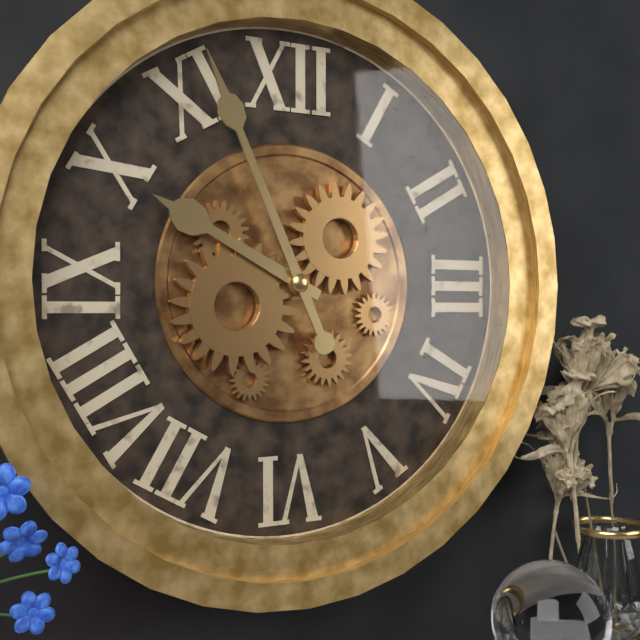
9,56
